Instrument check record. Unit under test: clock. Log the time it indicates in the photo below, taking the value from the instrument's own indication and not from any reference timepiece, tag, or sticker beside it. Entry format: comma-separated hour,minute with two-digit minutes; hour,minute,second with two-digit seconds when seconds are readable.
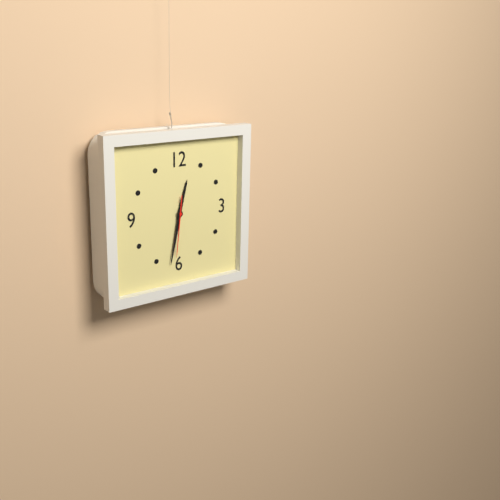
12,32,31
